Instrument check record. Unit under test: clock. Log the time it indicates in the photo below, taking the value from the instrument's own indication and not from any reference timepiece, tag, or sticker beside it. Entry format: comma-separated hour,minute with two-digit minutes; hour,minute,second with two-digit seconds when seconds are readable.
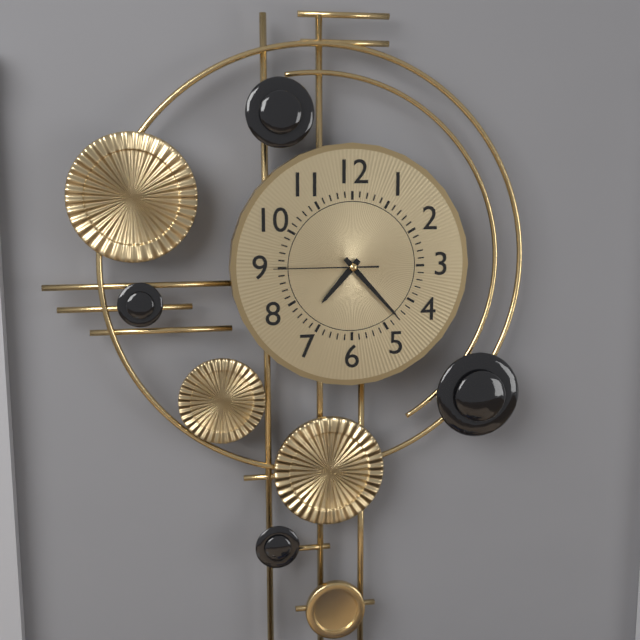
7,23,45
